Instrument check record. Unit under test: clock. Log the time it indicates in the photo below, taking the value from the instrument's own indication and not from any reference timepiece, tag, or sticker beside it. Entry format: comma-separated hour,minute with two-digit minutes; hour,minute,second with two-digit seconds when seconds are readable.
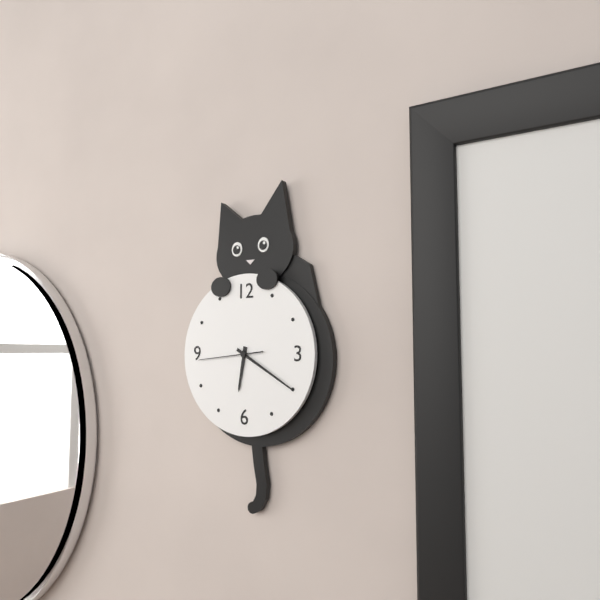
6,20,44
